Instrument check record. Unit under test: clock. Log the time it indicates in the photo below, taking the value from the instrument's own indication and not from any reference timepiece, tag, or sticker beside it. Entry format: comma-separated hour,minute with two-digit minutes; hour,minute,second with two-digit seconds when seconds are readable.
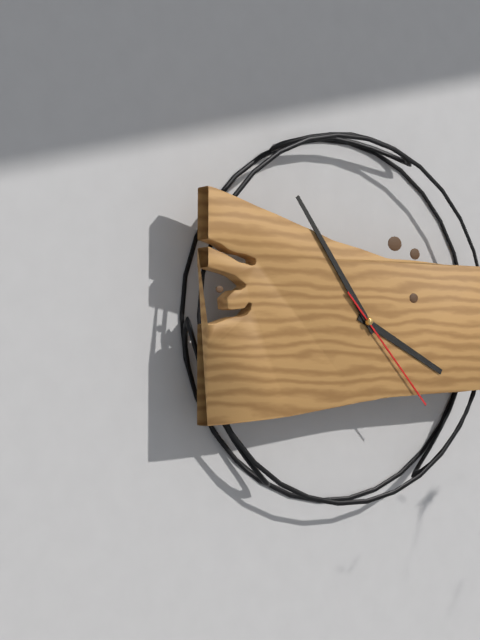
3,54,23
